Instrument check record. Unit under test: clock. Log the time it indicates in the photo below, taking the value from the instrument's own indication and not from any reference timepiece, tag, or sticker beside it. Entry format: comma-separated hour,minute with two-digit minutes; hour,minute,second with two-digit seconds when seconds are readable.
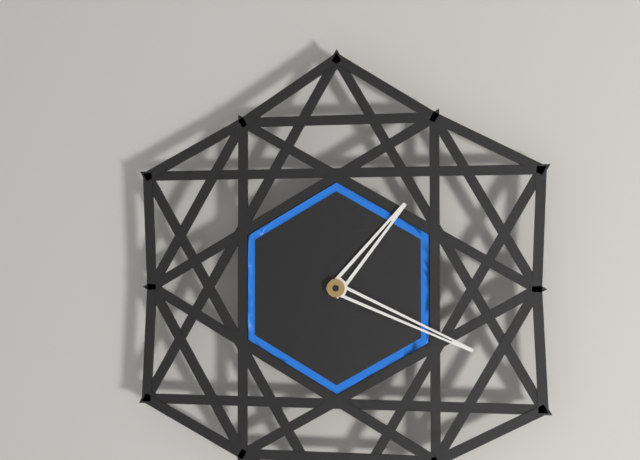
1,19
